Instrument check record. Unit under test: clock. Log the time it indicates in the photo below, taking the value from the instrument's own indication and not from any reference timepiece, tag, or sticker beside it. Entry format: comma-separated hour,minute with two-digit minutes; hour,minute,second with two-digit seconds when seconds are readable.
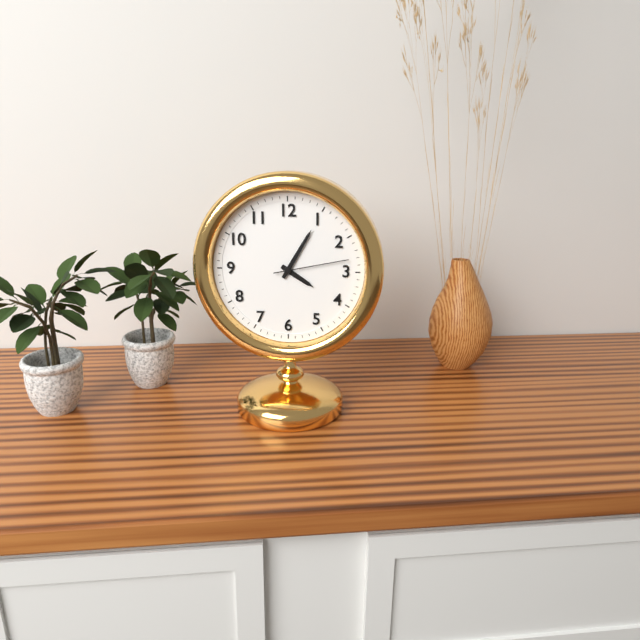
4,05,13
